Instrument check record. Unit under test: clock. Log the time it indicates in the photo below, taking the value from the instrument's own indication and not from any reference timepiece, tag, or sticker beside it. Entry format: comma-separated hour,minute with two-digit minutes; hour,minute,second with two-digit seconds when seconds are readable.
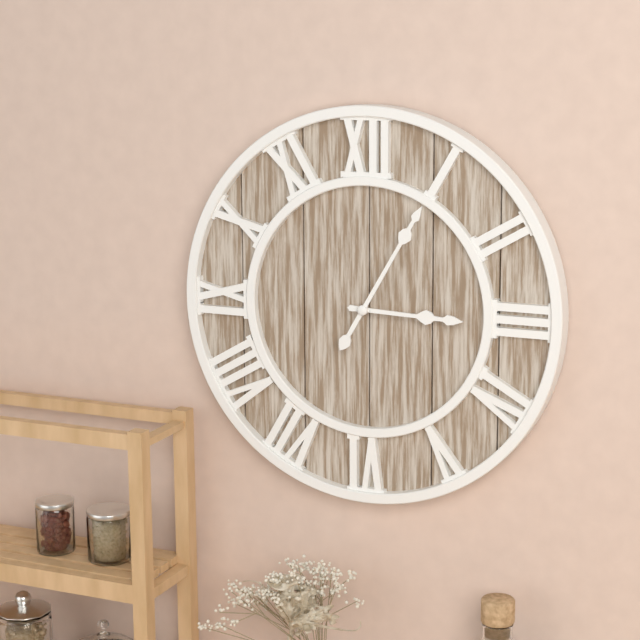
3,05
